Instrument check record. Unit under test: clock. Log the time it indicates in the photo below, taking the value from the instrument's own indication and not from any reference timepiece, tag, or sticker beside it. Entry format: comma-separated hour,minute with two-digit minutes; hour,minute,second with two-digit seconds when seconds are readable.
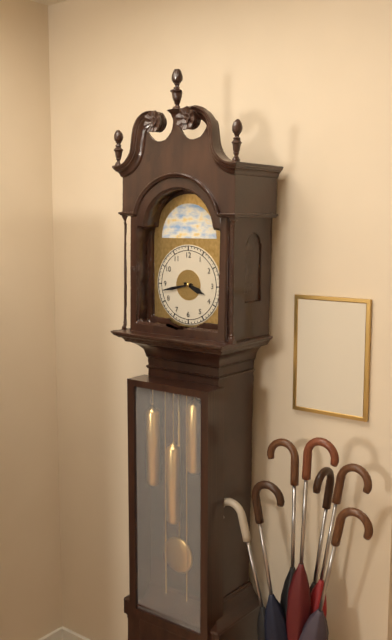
3,43
